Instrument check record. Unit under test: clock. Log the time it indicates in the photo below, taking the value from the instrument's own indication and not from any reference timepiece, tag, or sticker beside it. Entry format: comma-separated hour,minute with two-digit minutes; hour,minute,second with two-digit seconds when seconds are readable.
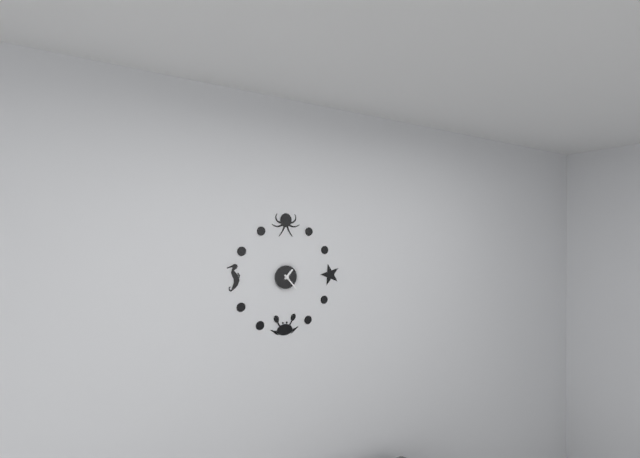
1,23
